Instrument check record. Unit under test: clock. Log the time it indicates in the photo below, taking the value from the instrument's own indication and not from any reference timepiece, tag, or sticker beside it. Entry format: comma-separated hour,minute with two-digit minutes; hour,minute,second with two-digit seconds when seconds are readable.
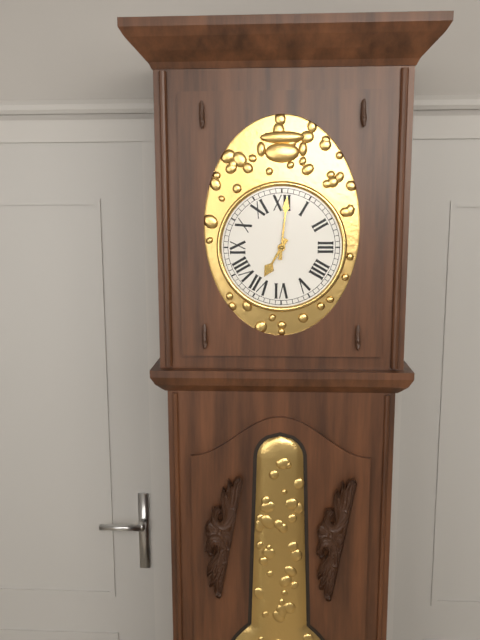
7,01
